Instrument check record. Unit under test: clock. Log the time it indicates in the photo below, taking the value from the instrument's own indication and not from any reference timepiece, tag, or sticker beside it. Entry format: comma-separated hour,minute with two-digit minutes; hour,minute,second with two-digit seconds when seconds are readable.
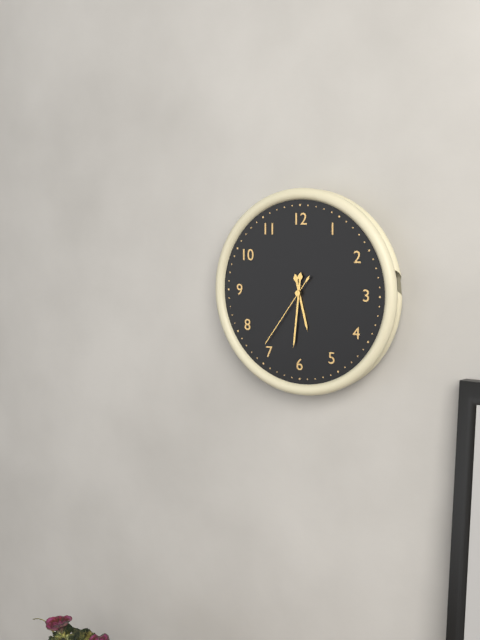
5,31,36
